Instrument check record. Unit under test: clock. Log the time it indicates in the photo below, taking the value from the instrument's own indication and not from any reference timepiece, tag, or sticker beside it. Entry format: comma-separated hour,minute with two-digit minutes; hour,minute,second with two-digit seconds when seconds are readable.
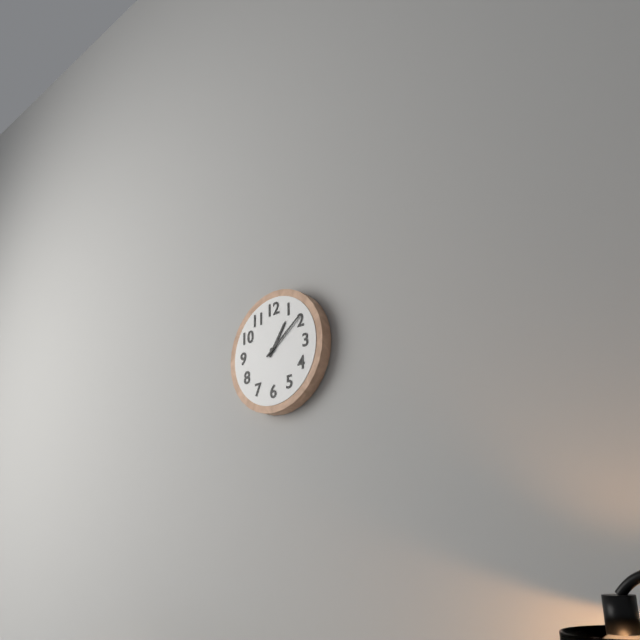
1,09
